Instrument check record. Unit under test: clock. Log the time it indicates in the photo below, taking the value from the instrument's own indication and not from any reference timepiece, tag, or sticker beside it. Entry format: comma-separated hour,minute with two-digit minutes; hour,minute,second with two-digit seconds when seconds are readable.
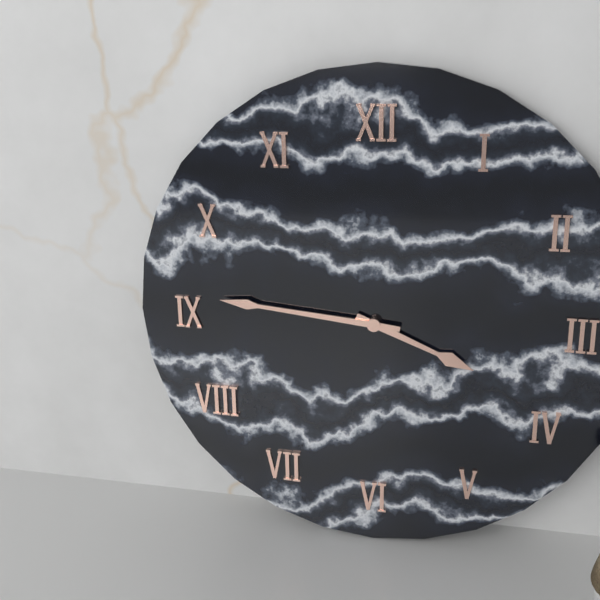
3,46
